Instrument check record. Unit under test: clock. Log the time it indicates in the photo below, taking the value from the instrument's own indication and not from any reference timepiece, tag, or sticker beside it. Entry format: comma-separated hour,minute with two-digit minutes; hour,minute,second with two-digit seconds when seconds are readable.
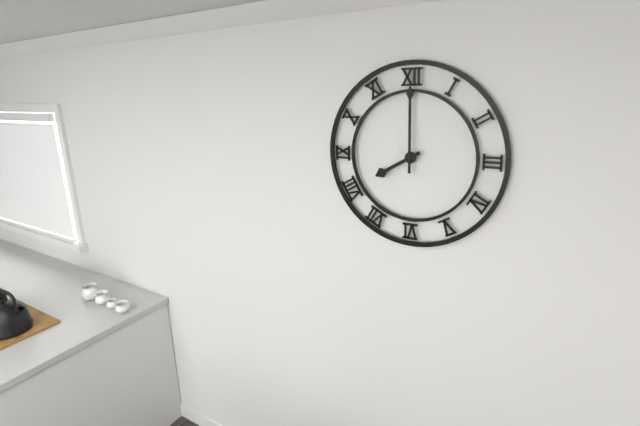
8,00
